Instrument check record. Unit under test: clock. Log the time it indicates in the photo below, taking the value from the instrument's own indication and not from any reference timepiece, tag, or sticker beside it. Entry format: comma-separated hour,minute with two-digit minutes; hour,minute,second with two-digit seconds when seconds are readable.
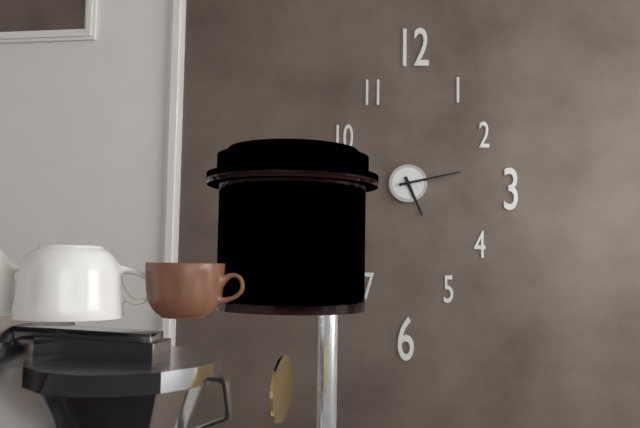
5,13
